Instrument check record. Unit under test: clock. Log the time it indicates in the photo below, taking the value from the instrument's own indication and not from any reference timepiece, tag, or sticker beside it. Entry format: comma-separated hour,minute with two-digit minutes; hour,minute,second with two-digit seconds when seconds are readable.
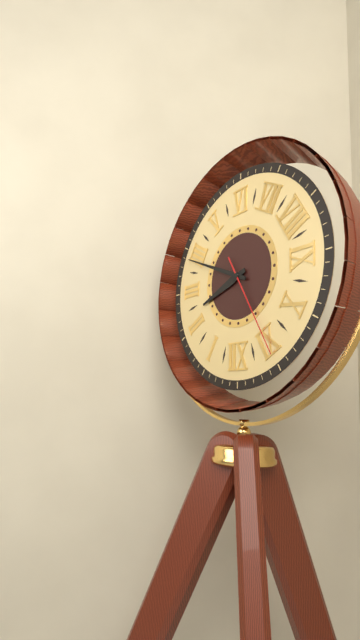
2,19,55
